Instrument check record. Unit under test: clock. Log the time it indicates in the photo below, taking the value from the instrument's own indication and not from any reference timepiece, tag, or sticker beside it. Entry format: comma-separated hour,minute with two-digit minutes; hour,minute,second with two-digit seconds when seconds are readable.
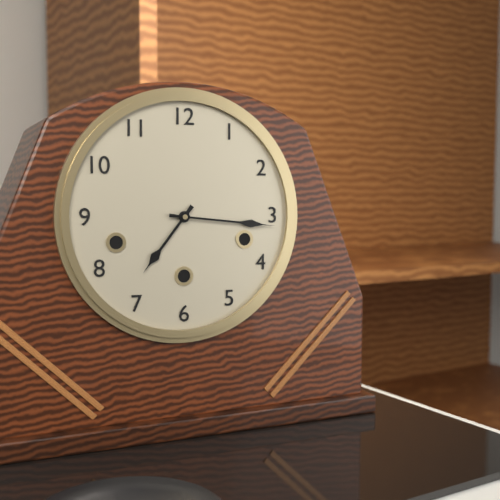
7,16
